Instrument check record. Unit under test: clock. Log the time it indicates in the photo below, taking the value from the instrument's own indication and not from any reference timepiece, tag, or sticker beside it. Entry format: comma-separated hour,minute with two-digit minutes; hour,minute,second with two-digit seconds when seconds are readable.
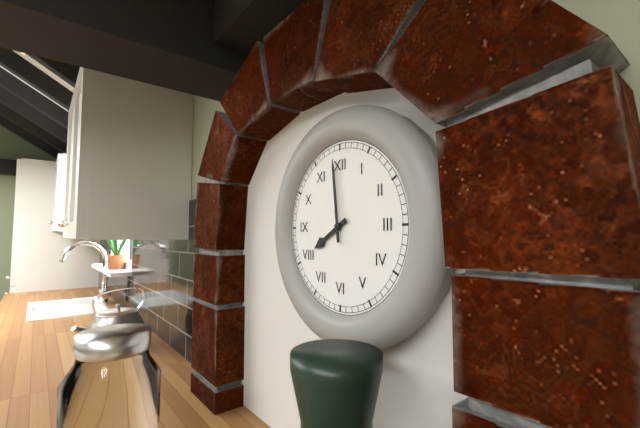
7,59
